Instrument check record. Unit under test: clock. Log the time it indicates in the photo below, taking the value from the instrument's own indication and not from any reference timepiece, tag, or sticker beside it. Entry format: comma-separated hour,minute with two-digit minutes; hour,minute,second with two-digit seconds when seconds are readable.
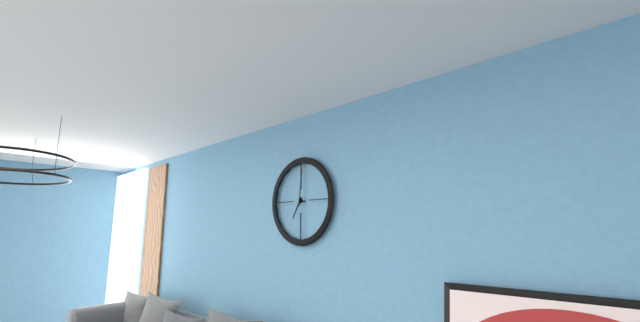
7,01
